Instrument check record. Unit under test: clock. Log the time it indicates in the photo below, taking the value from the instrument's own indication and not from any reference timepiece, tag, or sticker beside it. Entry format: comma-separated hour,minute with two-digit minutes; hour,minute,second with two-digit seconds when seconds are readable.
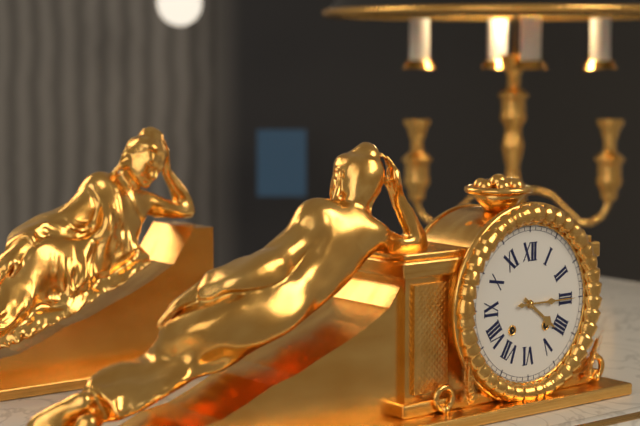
4,15
